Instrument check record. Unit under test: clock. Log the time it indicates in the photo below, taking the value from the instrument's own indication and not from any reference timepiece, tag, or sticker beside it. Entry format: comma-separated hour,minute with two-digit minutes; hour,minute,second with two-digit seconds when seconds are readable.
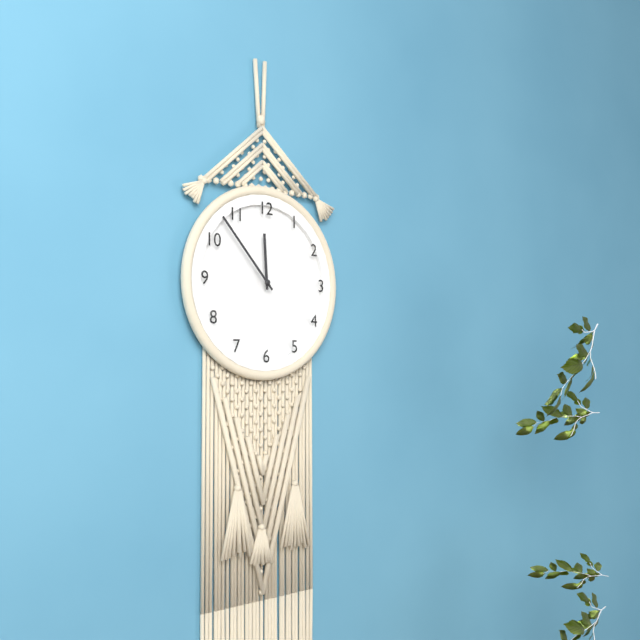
11,53
